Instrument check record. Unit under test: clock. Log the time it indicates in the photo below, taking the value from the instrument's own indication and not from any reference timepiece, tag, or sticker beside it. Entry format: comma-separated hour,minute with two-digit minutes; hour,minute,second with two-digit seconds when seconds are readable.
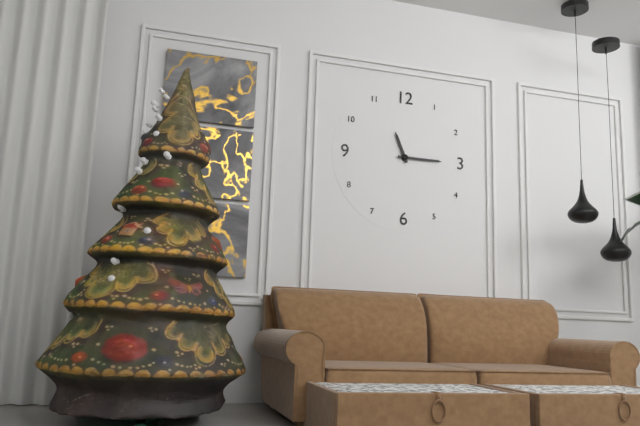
11,15
